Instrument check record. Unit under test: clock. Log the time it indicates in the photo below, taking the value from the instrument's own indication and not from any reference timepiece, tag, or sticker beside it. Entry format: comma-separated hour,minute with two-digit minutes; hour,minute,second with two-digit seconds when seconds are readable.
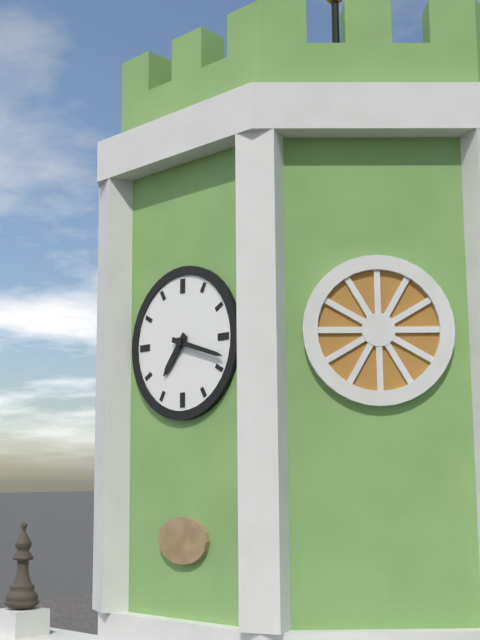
7,18
